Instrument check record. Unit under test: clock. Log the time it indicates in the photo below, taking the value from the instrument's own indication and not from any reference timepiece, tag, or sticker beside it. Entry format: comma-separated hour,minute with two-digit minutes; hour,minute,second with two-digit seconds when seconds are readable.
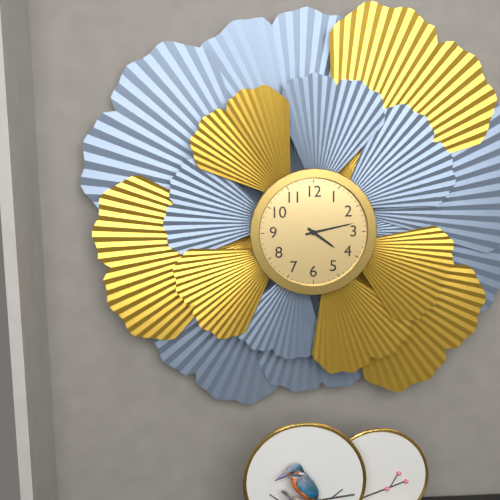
4,13
